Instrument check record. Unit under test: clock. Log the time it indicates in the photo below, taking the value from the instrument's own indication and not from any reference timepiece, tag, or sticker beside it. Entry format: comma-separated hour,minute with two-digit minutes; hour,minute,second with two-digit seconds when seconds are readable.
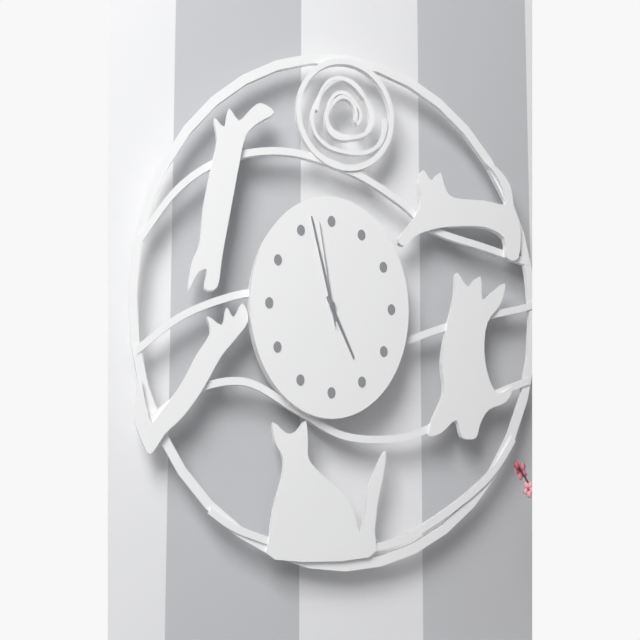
4,57,58
